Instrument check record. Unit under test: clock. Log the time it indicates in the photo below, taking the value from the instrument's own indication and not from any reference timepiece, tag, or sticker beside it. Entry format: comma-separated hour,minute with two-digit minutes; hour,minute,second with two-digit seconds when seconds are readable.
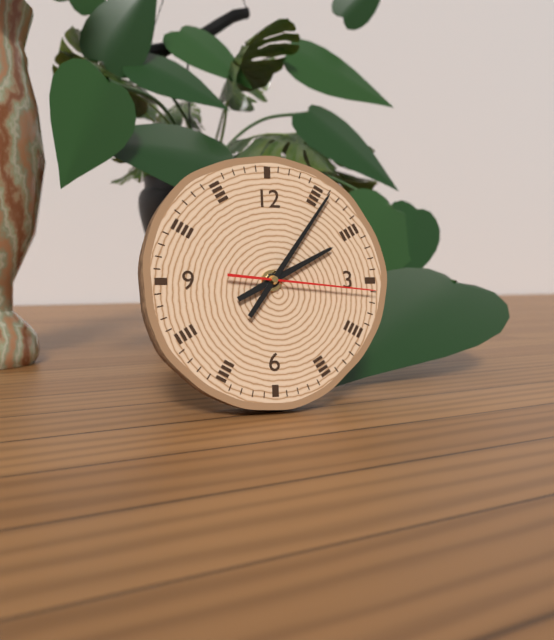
2,06,16
